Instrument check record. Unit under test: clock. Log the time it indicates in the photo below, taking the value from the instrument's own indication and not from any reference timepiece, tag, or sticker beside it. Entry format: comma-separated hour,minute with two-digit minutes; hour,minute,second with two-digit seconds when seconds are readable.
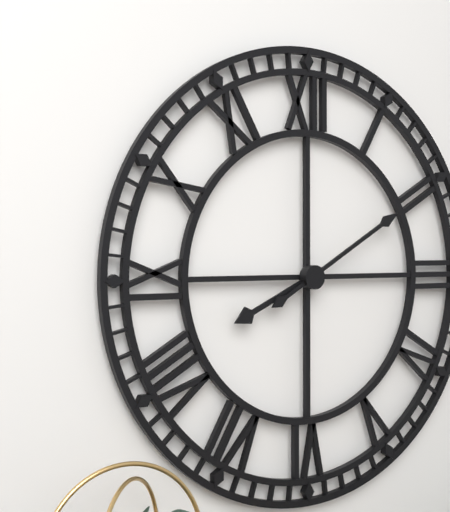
8,10
